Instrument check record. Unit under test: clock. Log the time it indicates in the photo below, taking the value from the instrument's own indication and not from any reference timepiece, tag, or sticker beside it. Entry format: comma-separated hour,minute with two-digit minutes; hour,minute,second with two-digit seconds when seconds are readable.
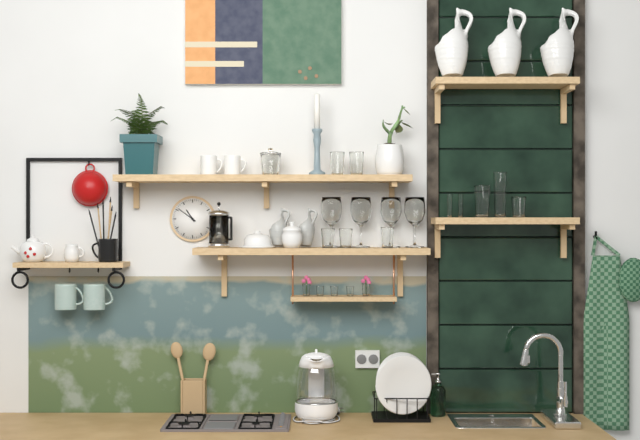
10,51
